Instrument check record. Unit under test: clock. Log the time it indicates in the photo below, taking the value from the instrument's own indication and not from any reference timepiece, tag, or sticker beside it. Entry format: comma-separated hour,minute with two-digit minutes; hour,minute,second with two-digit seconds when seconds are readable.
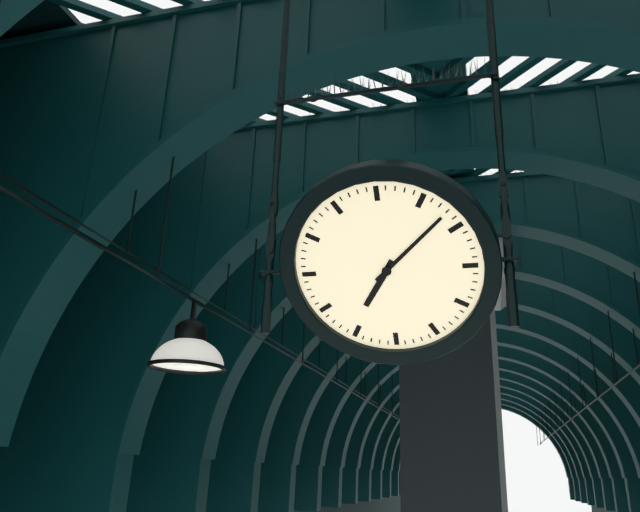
7,08
